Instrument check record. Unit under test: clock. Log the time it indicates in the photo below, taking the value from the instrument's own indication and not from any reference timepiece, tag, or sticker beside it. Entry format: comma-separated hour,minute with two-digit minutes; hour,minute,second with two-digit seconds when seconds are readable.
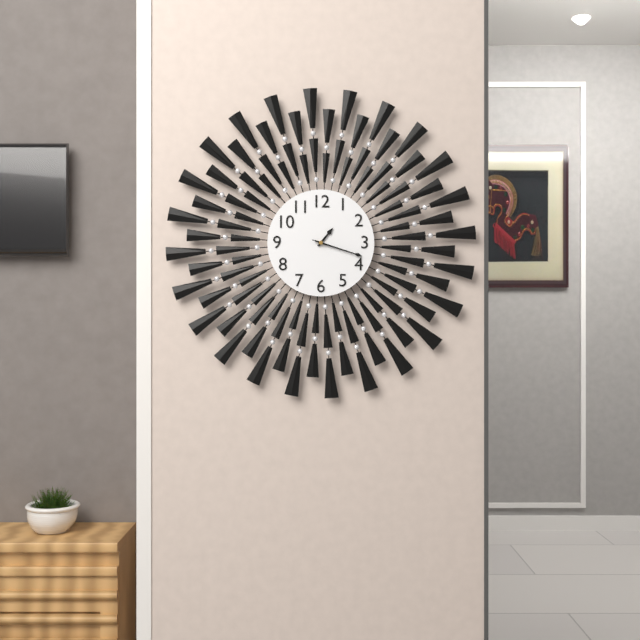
1,18
